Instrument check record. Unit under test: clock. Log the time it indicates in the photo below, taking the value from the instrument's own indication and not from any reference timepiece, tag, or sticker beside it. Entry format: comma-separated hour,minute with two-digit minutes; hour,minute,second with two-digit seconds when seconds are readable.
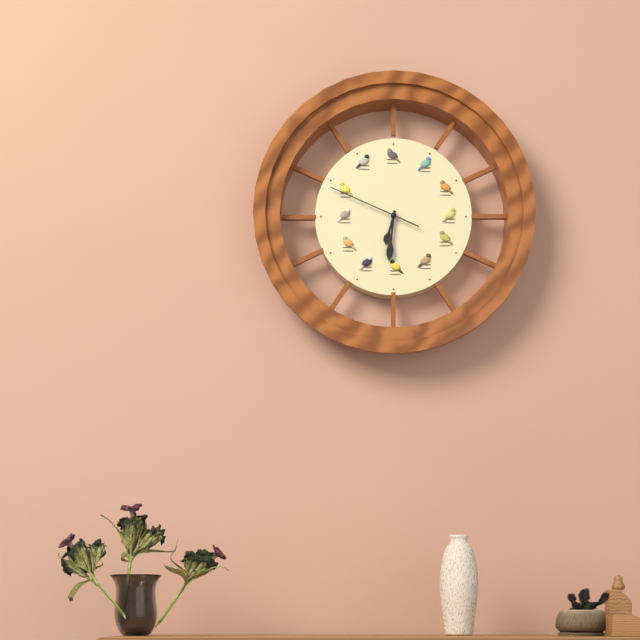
6,31,49
